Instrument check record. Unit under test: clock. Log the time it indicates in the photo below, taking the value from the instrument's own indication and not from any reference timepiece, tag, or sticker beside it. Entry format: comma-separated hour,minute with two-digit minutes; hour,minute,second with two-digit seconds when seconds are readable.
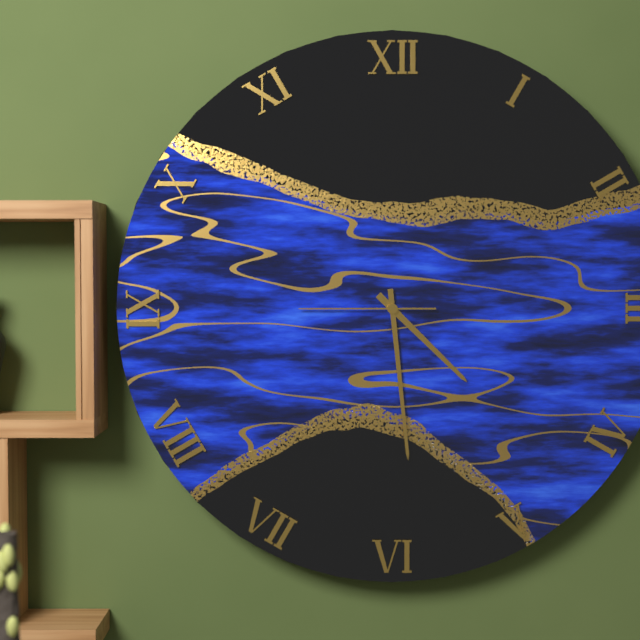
4,29,45
